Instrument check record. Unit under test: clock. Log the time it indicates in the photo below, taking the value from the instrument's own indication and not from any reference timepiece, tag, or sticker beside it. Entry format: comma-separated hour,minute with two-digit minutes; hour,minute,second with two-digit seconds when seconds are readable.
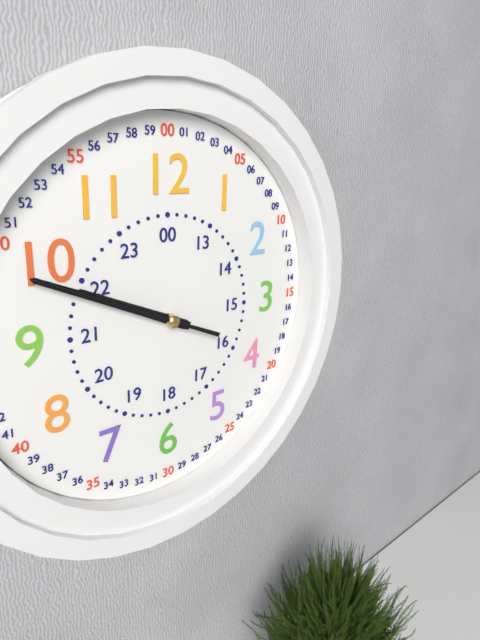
9,49,49
